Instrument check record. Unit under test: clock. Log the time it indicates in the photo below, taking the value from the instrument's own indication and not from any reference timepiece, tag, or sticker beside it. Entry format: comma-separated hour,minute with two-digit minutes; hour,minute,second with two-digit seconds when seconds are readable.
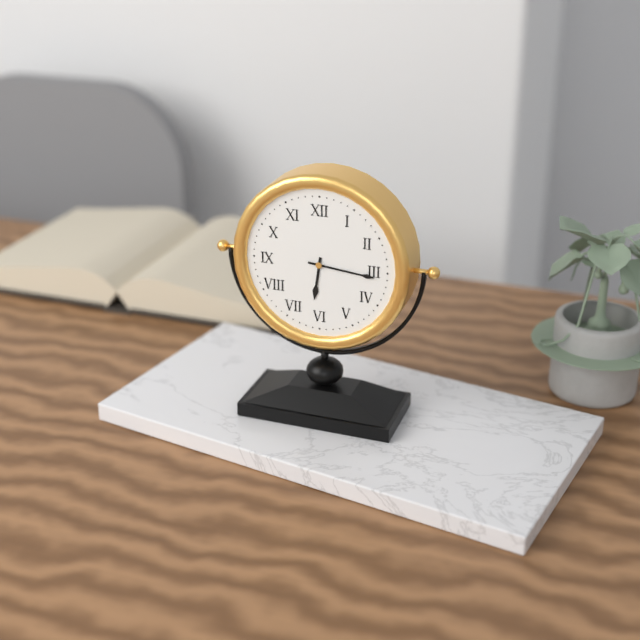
6,16
